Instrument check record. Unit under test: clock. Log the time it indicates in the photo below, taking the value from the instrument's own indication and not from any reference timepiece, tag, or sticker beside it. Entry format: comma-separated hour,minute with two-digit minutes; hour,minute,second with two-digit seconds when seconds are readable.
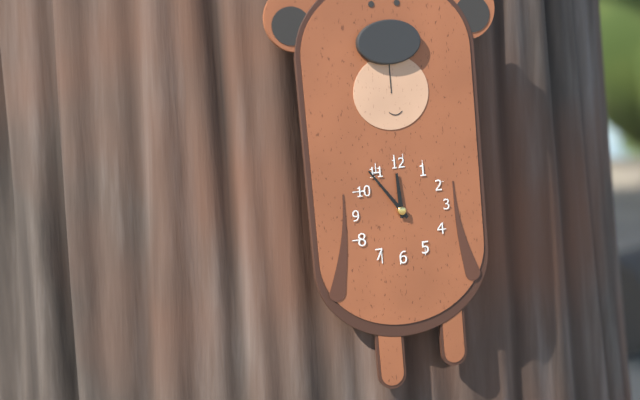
11,54
